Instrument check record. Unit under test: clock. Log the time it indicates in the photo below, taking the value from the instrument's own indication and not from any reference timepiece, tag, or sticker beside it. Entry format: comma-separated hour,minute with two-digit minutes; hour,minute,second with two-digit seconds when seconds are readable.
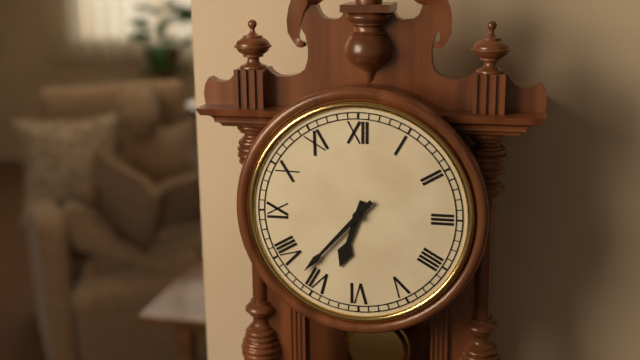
6,37
